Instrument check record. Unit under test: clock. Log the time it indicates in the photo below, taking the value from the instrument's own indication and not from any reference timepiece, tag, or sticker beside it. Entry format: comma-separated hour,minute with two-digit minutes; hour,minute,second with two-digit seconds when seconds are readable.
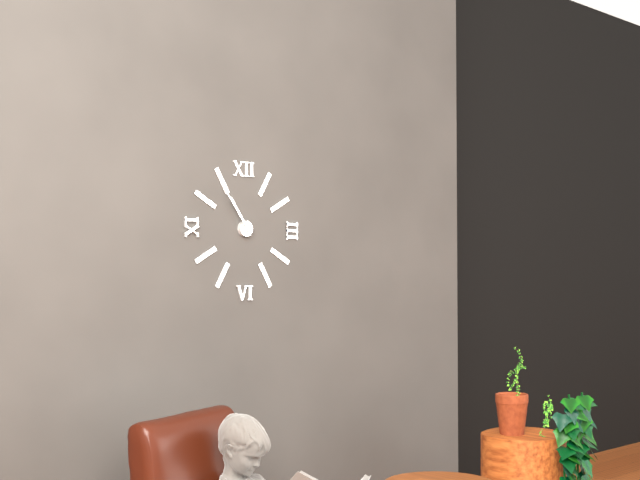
10,54
